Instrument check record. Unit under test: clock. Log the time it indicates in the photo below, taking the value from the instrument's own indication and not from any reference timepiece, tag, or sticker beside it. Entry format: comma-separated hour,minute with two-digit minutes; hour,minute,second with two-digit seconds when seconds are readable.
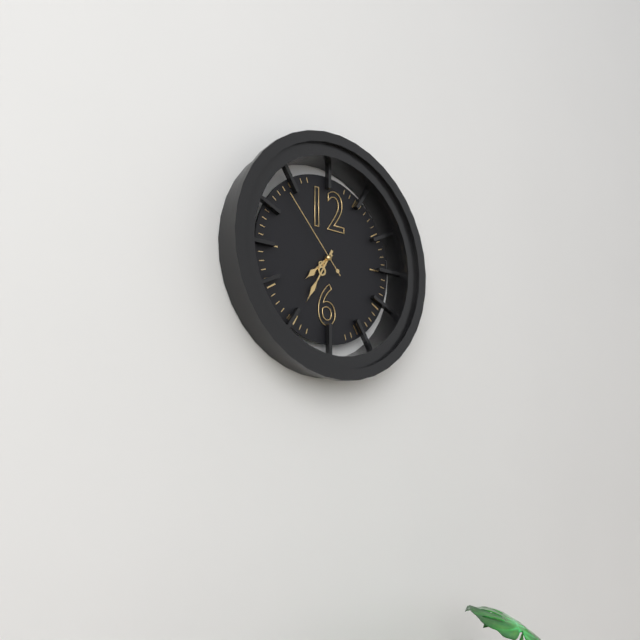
7,35,53
